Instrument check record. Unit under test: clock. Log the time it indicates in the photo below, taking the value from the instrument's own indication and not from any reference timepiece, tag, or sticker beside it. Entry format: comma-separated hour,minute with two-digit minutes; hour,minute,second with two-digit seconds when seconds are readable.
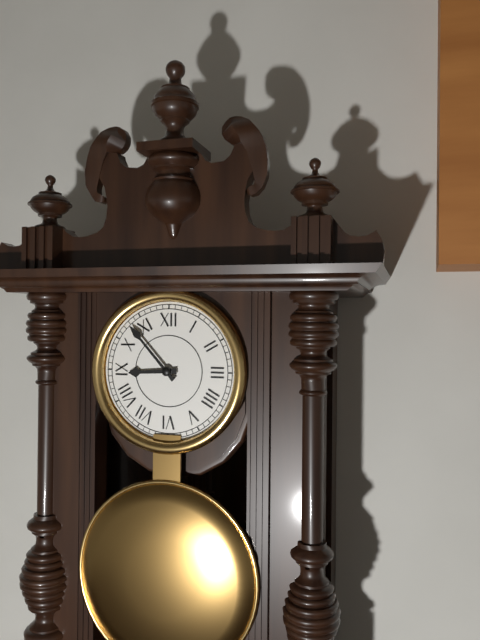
8,53
